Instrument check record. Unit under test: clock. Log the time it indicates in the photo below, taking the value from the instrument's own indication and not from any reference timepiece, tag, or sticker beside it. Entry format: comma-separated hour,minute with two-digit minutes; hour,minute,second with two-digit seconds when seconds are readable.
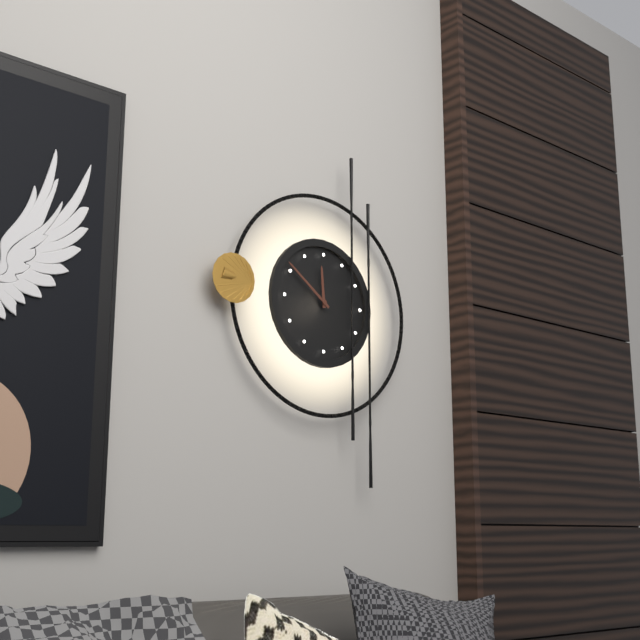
11,51
